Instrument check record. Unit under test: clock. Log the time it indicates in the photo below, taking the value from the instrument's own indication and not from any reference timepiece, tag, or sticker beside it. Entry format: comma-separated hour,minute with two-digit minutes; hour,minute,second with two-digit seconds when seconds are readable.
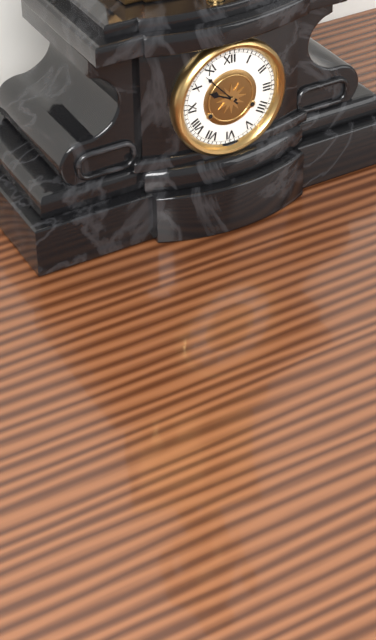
9,53
